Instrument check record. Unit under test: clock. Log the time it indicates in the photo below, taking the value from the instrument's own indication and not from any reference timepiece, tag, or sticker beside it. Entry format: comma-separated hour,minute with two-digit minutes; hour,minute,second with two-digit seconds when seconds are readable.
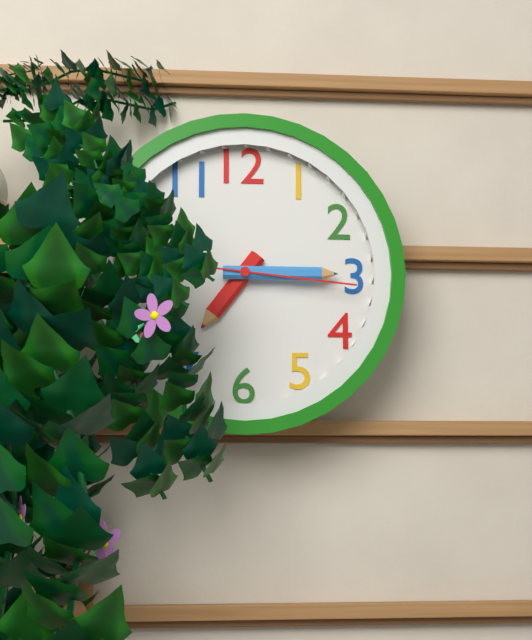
7,15,16
